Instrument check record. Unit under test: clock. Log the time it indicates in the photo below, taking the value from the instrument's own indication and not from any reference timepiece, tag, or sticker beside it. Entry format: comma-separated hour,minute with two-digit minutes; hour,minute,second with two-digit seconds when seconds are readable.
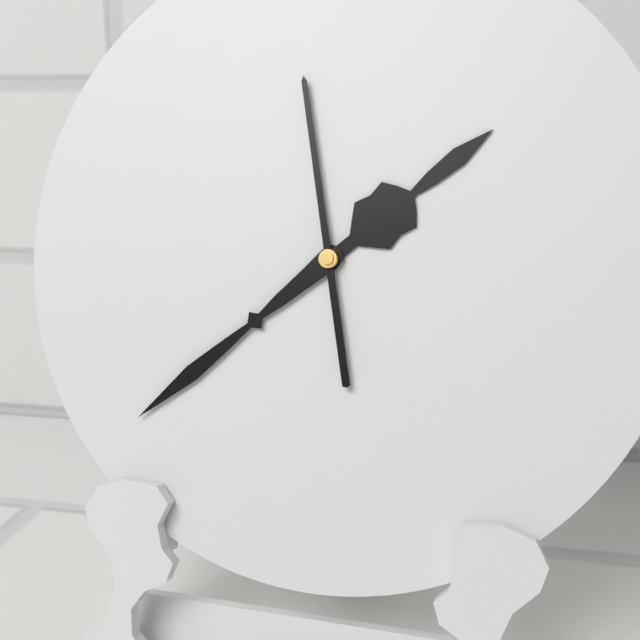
1,38,58
